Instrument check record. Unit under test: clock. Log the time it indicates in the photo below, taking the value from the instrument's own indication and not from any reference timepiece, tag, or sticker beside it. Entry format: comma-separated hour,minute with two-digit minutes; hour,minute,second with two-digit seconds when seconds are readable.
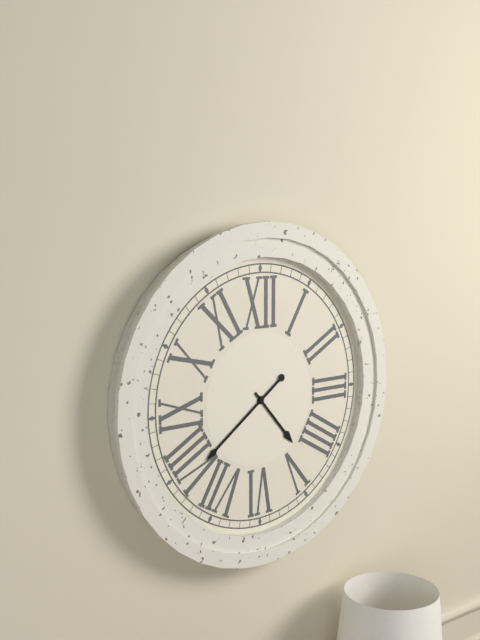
4,39
